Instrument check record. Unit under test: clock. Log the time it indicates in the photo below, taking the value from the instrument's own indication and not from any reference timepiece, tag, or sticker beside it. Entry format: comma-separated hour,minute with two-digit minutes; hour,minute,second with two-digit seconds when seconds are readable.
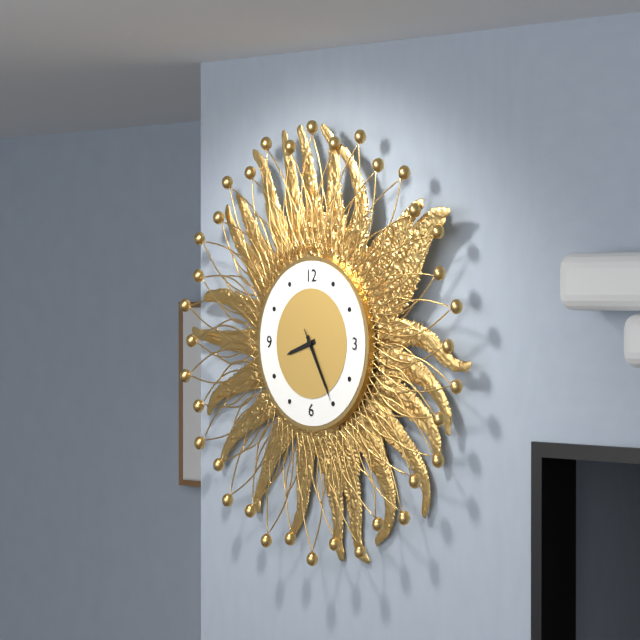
8,25,25
